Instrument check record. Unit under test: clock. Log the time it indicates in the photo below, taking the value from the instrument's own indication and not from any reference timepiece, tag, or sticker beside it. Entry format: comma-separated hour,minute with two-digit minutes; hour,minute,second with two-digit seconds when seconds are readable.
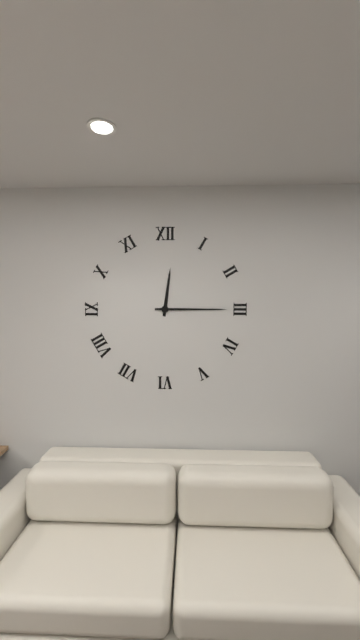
12,15
